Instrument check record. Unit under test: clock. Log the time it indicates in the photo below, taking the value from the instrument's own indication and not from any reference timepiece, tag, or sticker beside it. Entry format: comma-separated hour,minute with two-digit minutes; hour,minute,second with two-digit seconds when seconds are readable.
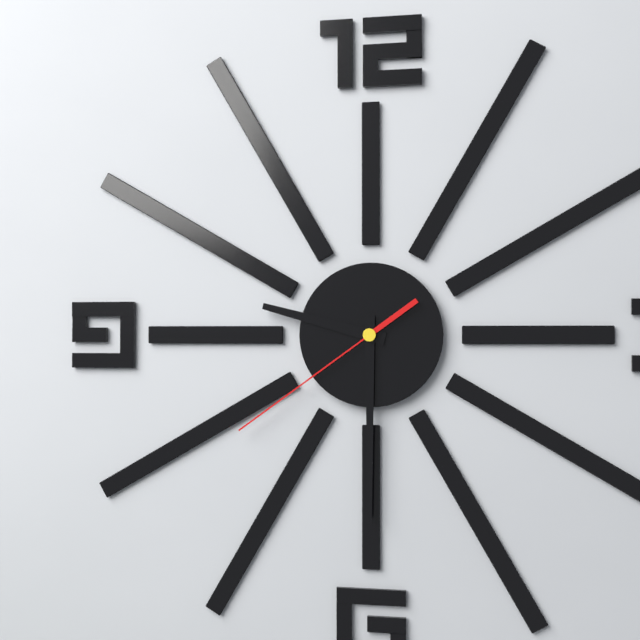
9,30,39
